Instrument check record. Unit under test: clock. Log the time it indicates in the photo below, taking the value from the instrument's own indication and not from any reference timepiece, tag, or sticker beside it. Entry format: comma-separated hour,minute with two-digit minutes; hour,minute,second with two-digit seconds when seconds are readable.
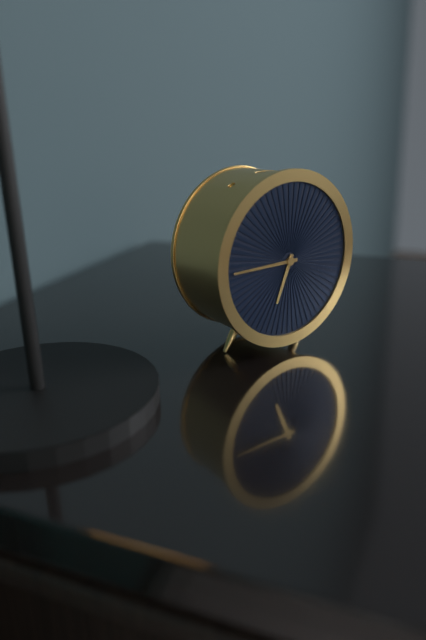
6,45
